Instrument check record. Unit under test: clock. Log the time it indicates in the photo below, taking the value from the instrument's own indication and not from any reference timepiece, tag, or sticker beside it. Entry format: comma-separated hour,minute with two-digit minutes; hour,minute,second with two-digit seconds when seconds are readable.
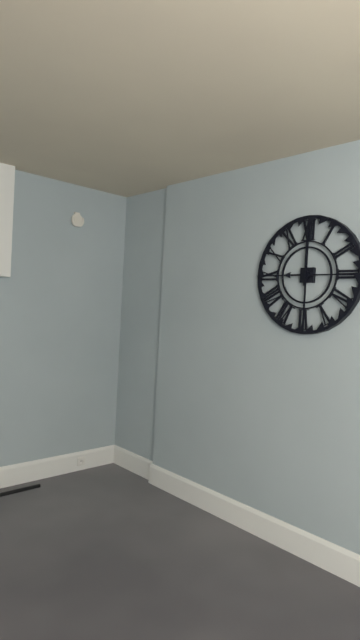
9,00
